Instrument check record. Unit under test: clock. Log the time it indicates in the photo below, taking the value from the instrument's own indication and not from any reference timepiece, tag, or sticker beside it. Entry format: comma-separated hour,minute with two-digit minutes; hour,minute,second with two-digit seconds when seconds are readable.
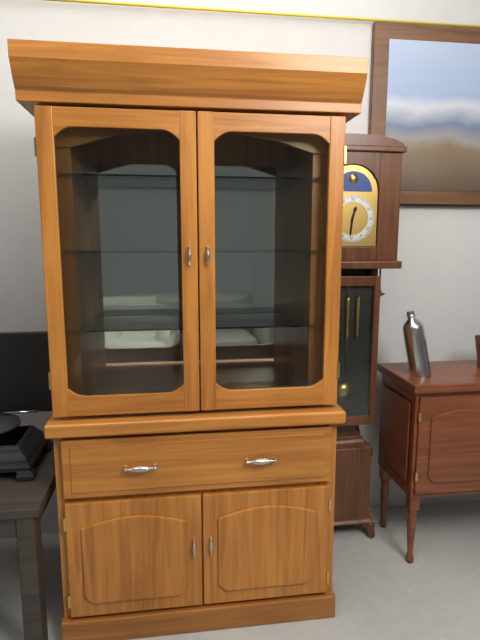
12,31
